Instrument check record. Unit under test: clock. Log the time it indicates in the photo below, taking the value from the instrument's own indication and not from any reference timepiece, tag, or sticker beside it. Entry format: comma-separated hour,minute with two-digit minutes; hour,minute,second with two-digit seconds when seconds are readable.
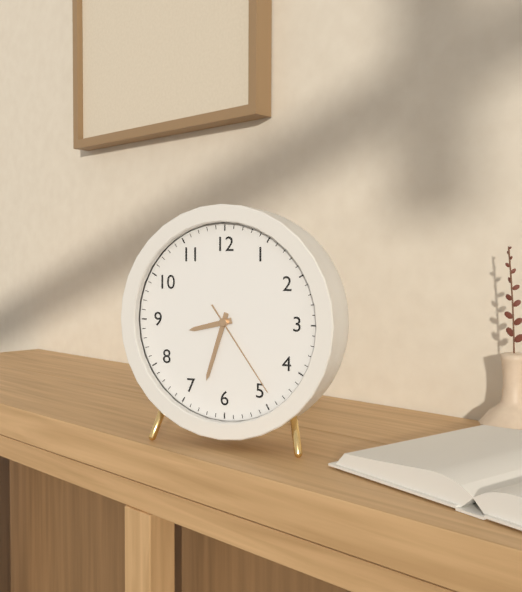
8,33,24
